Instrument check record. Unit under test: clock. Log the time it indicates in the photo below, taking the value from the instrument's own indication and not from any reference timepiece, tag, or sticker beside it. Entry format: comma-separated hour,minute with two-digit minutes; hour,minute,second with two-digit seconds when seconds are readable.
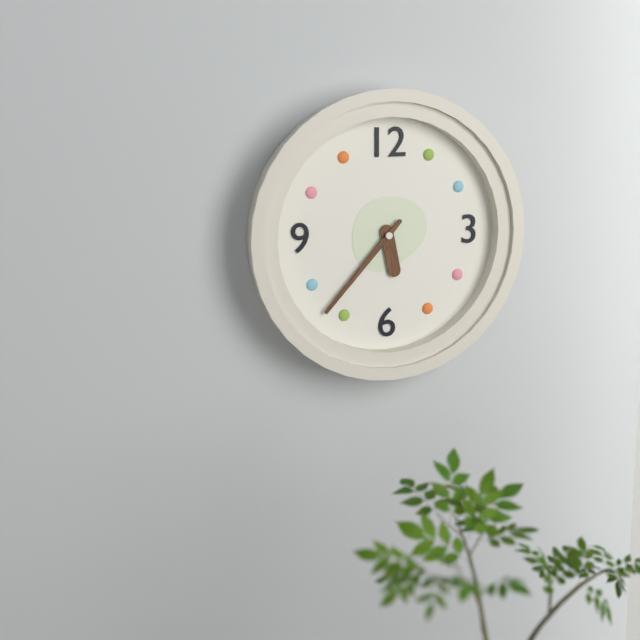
5,37
